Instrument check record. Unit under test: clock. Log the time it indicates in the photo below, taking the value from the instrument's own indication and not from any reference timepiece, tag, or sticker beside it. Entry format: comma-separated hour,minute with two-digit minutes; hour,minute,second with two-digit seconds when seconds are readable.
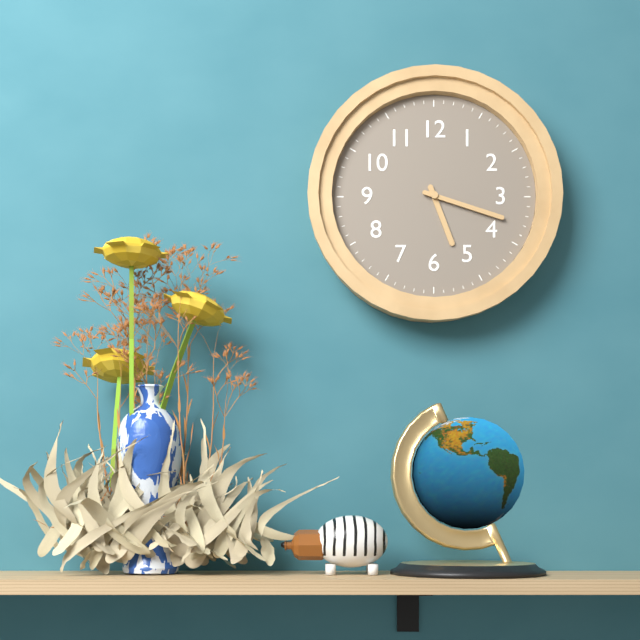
5,18
